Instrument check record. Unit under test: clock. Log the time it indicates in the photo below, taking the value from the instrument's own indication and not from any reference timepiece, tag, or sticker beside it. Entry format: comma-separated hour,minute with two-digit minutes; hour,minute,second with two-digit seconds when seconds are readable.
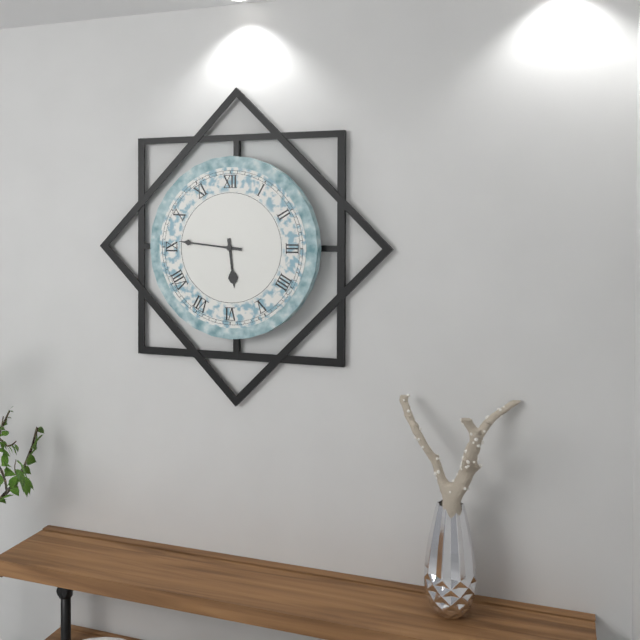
5,46
